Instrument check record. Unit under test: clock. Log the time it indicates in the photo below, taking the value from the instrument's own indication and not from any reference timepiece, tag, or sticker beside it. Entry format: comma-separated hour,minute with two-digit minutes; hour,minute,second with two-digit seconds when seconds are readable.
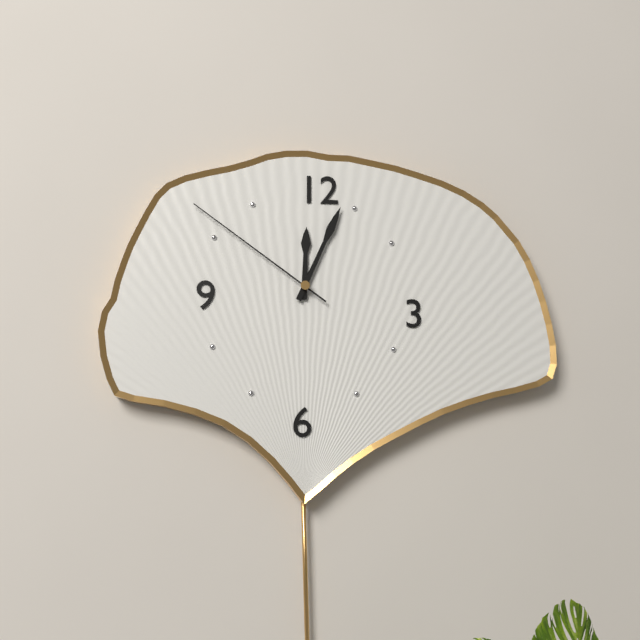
12,04,51
